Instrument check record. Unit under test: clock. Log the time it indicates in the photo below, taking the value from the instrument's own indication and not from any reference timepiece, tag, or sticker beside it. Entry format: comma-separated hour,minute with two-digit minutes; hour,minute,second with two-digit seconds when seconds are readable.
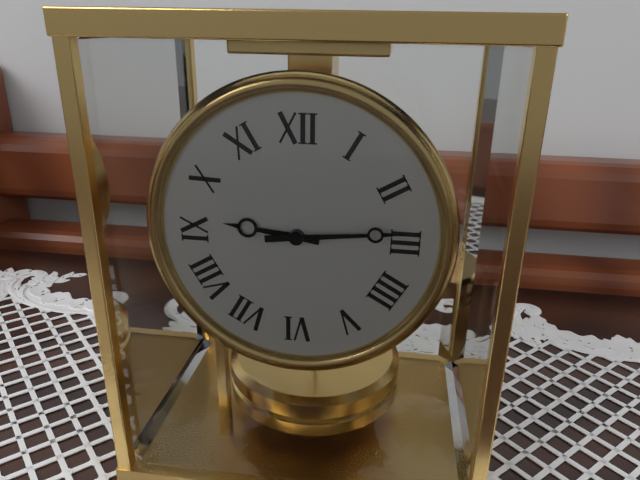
9,14
